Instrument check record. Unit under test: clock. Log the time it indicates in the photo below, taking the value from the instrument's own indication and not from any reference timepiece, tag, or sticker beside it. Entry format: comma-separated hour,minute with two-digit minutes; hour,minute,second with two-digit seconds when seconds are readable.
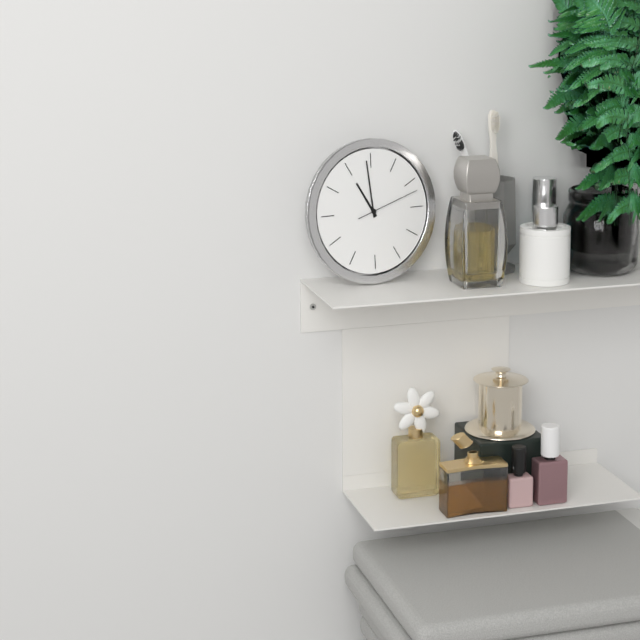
10,59,12
